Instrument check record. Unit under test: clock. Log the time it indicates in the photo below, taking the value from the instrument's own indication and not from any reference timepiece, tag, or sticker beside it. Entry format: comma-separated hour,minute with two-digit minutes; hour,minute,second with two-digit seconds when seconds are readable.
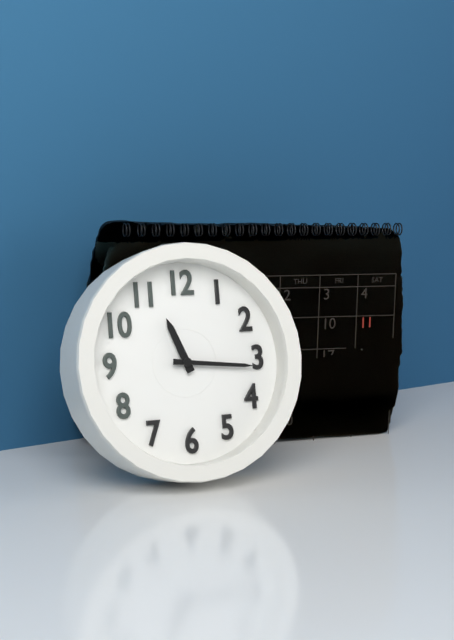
11,16
